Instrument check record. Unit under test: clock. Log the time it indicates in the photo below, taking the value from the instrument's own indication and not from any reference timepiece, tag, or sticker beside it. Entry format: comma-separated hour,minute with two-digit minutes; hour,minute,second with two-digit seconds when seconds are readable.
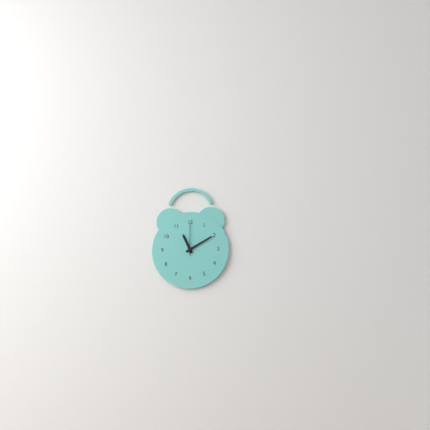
11,10
